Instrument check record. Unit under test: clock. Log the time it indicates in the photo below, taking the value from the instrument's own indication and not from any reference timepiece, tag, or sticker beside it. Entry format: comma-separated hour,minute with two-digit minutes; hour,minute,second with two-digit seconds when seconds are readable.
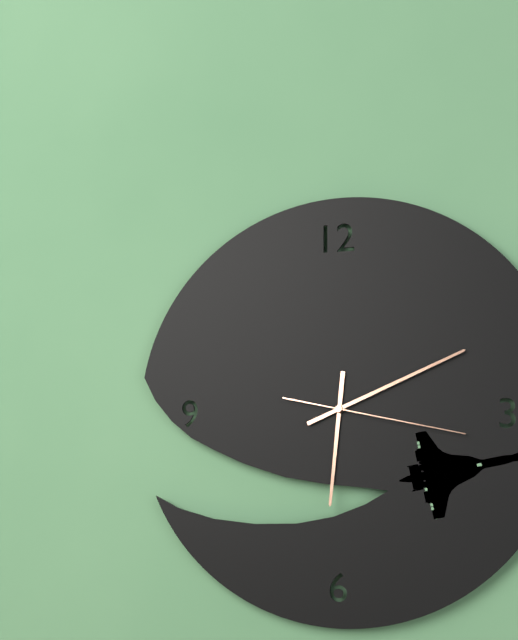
6,11,17
